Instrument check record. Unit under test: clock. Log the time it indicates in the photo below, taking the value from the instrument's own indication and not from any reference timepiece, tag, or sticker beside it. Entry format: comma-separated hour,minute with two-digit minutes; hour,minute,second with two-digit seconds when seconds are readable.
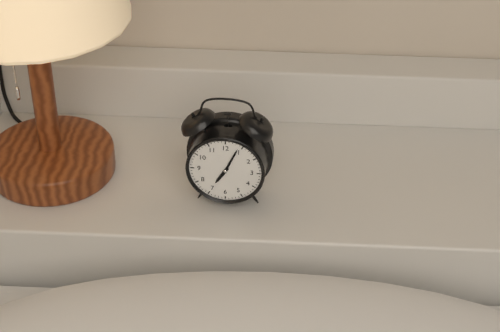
7,04
